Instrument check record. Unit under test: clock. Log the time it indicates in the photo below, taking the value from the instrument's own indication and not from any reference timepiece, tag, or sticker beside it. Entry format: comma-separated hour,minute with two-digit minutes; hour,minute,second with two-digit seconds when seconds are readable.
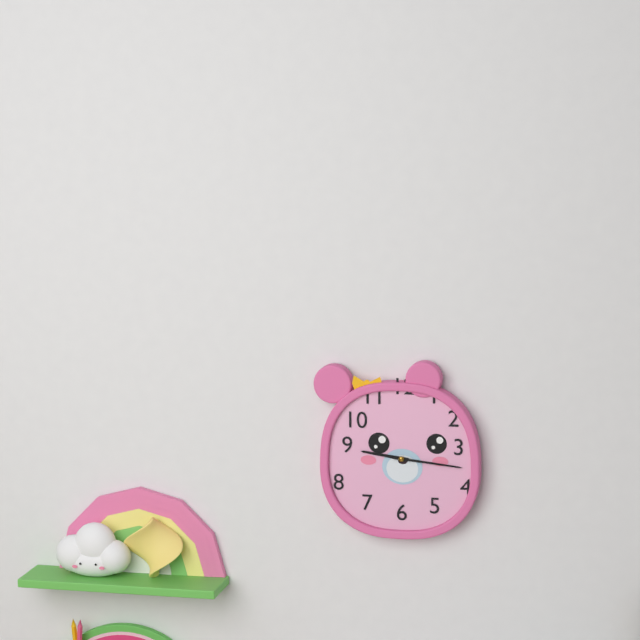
9,16
